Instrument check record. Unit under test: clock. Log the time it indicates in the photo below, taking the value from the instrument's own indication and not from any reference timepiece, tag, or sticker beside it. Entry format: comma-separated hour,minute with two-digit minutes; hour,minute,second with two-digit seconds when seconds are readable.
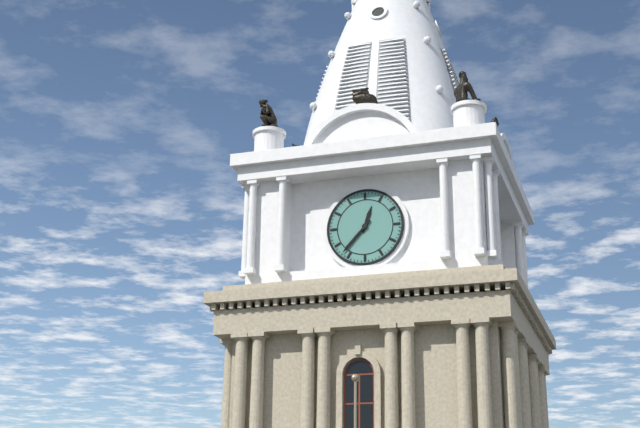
12,37
